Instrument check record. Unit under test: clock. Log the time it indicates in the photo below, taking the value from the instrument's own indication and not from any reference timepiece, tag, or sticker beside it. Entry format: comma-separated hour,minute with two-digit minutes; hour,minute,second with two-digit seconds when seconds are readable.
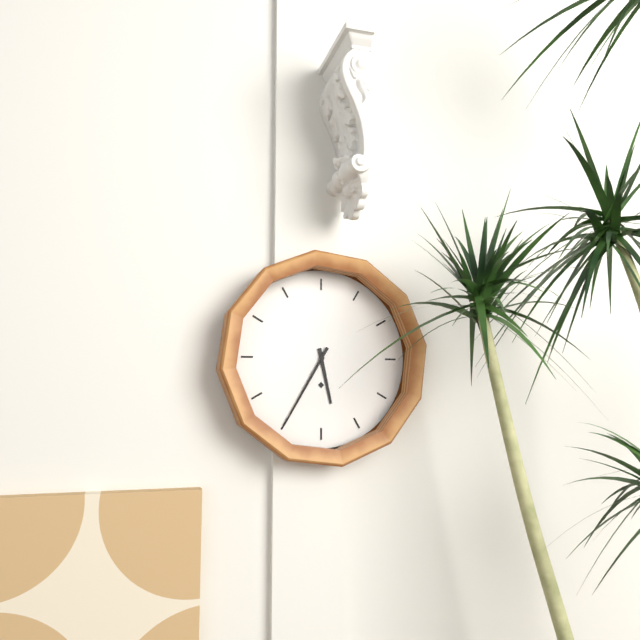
5,35
